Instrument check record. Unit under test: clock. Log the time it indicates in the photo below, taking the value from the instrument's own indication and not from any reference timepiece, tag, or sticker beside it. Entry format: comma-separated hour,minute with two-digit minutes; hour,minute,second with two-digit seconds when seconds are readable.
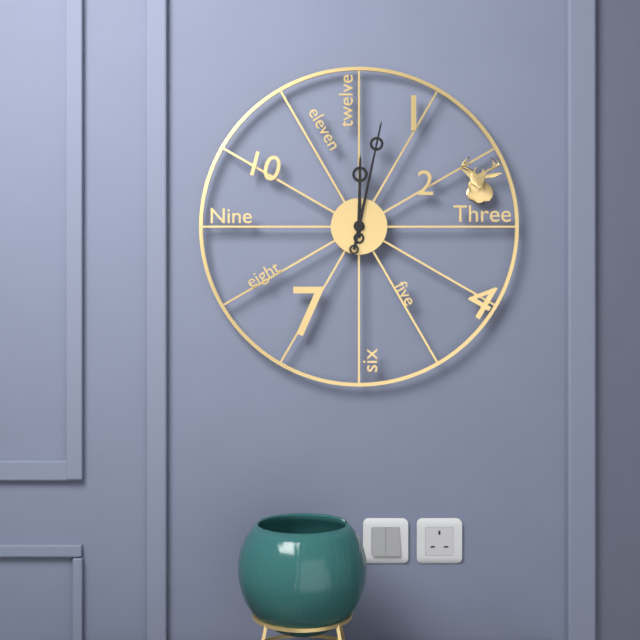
12,02
